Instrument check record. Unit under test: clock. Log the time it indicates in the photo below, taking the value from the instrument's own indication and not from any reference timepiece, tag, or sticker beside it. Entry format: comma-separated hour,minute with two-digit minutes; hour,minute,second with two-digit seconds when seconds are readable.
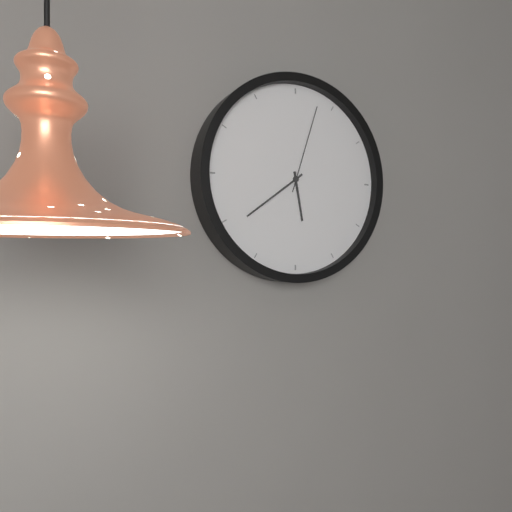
5,39,03
